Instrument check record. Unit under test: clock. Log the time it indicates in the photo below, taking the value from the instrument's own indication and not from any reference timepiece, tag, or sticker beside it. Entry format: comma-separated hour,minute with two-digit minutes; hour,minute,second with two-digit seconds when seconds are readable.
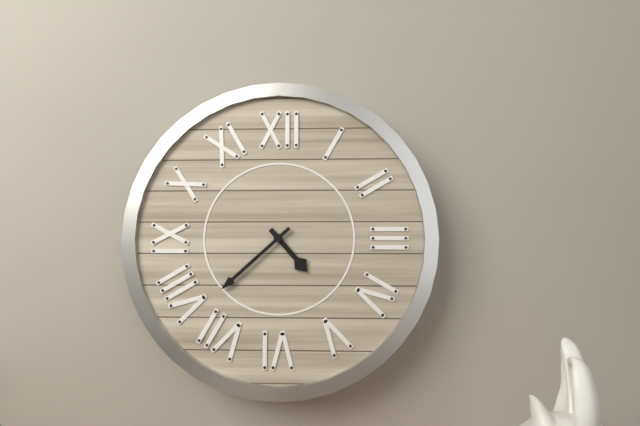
4,38
